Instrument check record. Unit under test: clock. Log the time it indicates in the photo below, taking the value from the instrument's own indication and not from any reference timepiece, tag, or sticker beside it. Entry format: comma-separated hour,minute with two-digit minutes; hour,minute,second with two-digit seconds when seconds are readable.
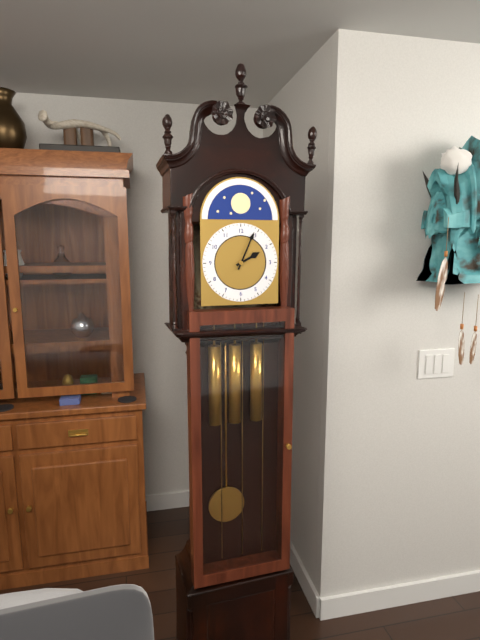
2,04
